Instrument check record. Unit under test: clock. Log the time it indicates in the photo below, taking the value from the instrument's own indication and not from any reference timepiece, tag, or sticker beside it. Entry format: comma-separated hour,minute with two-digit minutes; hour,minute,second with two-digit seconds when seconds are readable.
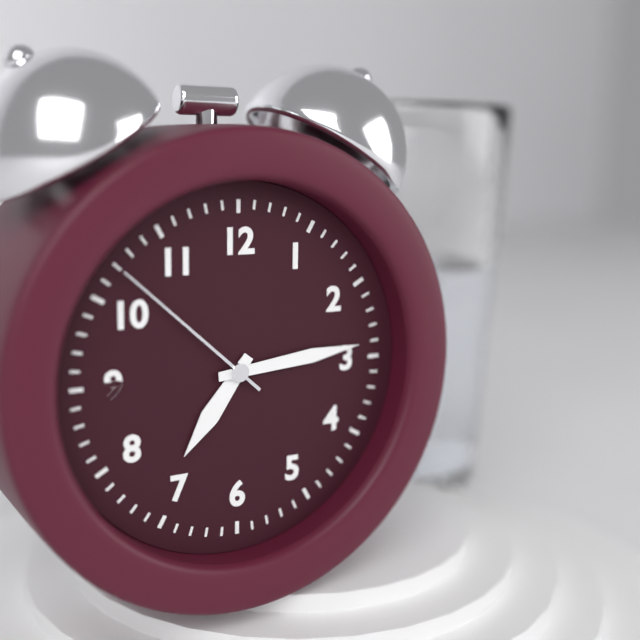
7,14,52
